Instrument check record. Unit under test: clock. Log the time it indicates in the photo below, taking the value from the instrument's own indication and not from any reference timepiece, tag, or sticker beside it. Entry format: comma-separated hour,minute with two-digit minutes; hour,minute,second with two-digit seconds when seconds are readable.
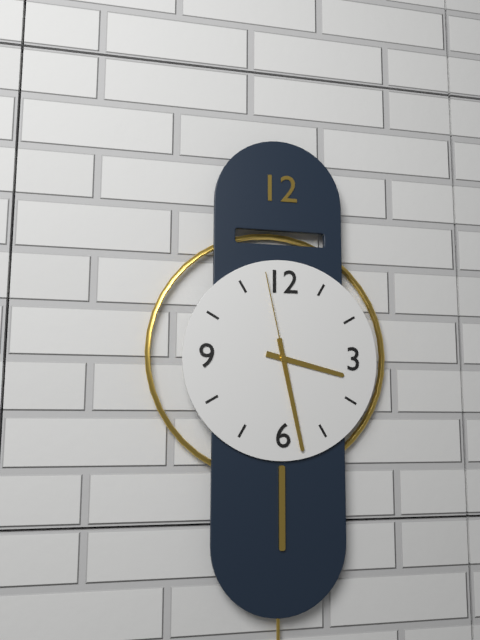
3,28,58
